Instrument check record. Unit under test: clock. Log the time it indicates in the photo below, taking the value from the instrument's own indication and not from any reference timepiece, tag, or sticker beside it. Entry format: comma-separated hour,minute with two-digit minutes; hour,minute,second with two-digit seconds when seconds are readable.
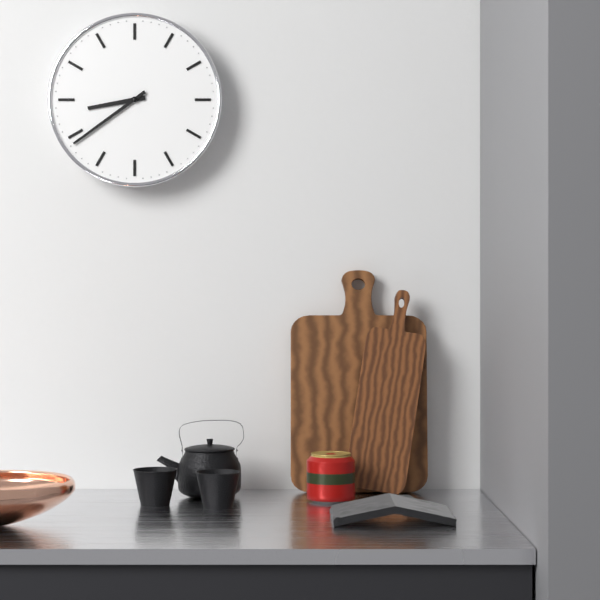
8,39
